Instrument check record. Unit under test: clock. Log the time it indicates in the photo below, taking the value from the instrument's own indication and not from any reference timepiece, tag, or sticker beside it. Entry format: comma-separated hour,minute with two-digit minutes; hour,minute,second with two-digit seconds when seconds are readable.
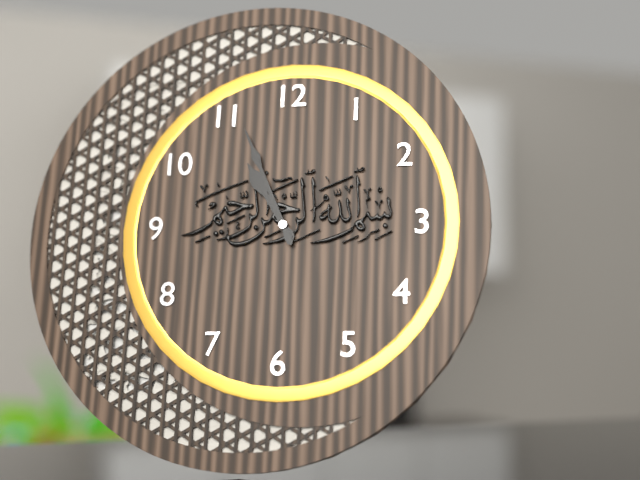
10,56
